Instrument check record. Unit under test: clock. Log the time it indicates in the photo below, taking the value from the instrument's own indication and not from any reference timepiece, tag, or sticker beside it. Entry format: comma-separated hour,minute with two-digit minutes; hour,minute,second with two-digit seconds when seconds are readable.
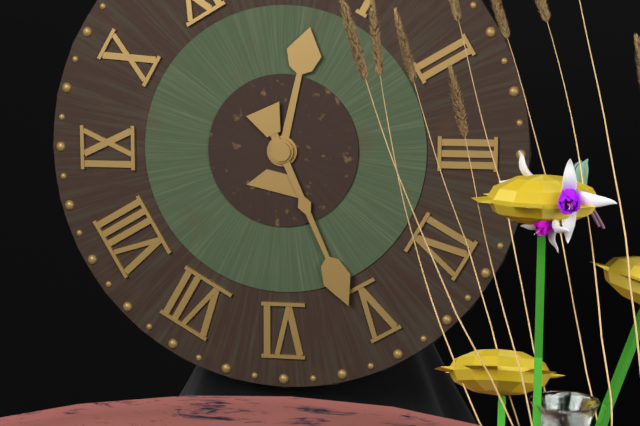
12,26
